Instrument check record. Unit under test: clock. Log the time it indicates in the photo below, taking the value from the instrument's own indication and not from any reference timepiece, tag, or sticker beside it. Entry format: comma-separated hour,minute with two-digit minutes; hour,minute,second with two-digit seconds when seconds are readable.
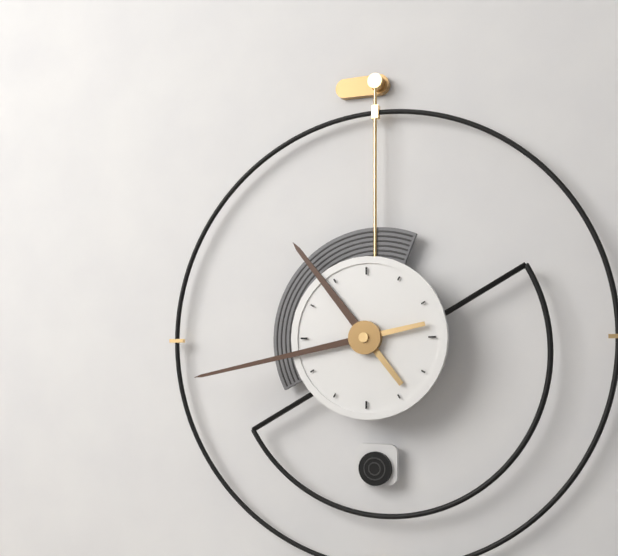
10,43
